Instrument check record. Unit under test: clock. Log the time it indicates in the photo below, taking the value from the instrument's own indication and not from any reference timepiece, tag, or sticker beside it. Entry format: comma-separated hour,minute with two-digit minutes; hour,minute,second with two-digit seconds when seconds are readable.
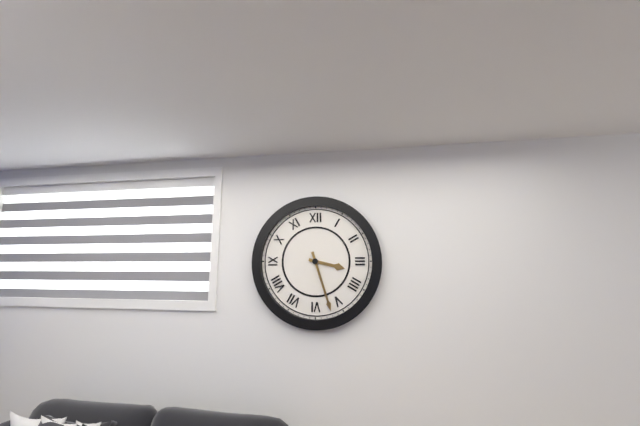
3,27
